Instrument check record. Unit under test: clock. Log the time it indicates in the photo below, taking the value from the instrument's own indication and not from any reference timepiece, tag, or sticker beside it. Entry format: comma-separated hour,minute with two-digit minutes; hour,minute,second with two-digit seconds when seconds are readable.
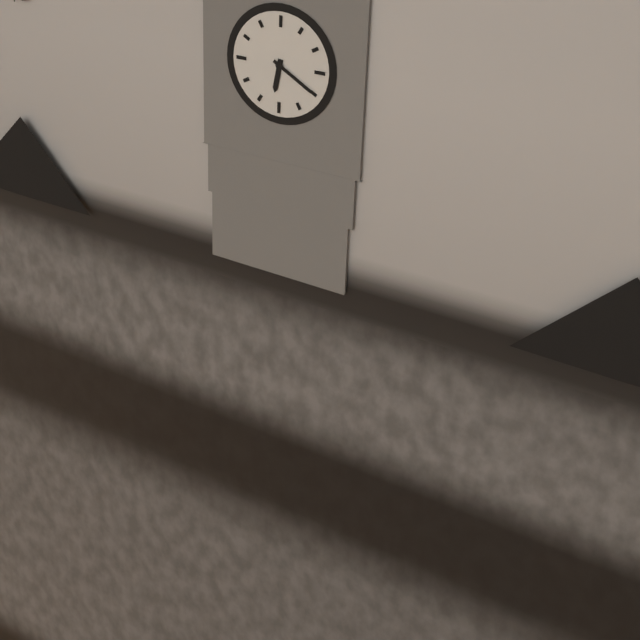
6,20
